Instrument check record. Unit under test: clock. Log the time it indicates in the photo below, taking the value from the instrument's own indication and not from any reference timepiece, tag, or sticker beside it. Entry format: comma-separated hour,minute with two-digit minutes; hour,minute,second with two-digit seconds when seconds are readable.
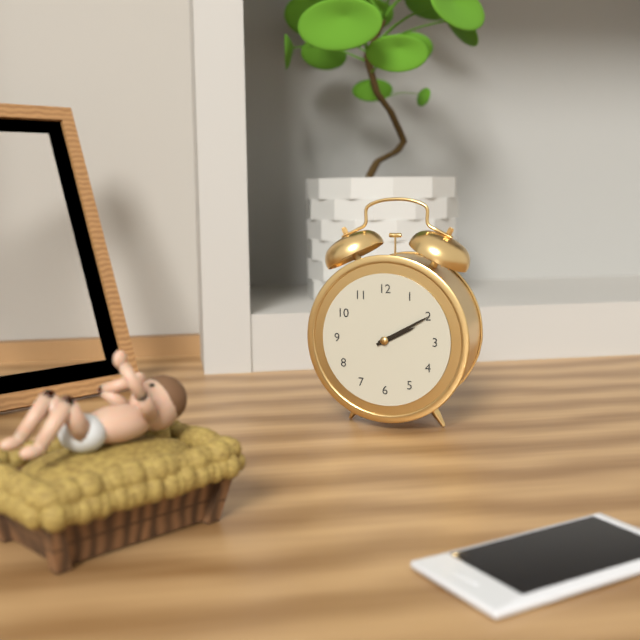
2,10
